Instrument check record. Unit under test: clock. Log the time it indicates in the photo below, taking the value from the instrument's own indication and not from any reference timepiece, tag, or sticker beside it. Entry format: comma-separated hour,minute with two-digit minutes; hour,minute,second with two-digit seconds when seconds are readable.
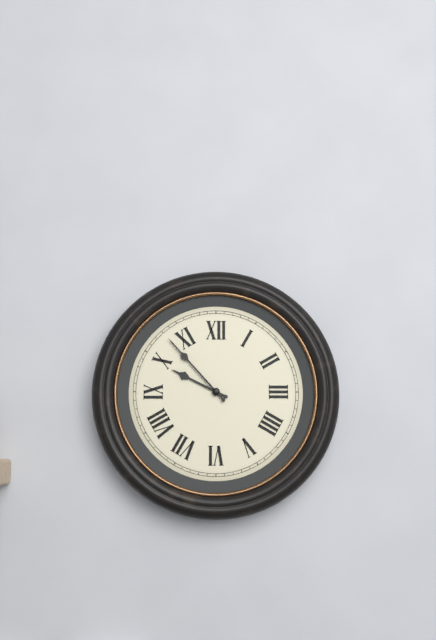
9,53
